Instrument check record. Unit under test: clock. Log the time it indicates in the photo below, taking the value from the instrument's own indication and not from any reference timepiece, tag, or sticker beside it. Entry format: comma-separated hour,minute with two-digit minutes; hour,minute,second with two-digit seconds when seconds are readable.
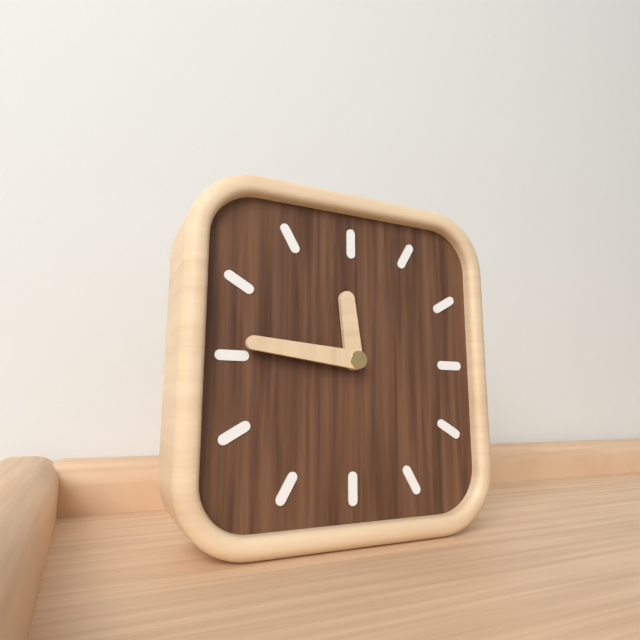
11,46
